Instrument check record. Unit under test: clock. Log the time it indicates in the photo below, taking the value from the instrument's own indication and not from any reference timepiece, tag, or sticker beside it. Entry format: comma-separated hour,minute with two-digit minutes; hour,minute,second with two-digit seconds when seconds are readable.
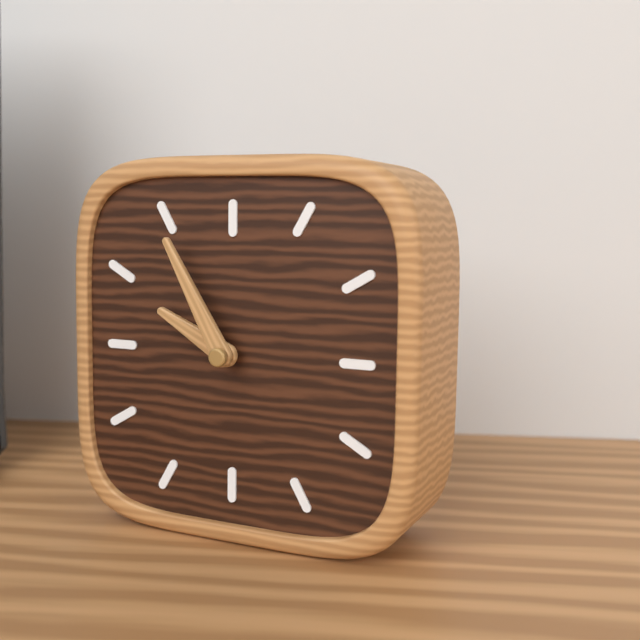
9,55
